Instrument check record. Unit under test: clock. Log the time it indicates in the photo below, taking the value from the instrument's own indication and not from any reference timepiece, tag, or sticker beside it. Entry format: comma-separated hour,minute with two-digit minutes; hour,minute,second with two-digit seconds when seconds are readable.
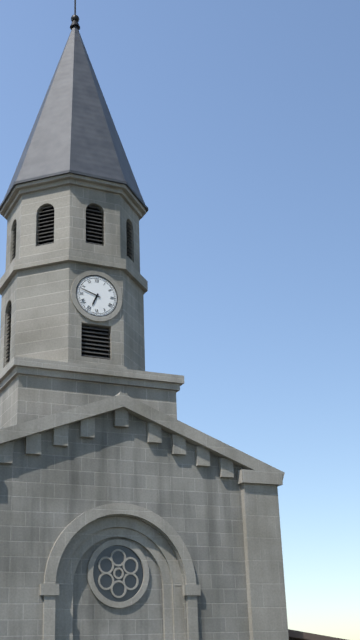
6,48
